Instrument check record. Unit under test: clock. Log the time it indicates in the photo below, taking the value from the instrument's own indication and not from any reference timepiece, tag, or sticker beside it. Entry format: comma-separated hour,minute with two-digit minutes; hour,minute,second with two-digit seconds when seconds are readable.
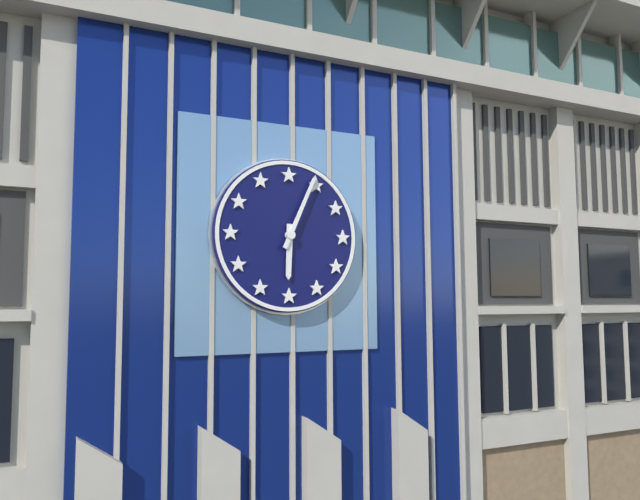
6,04
